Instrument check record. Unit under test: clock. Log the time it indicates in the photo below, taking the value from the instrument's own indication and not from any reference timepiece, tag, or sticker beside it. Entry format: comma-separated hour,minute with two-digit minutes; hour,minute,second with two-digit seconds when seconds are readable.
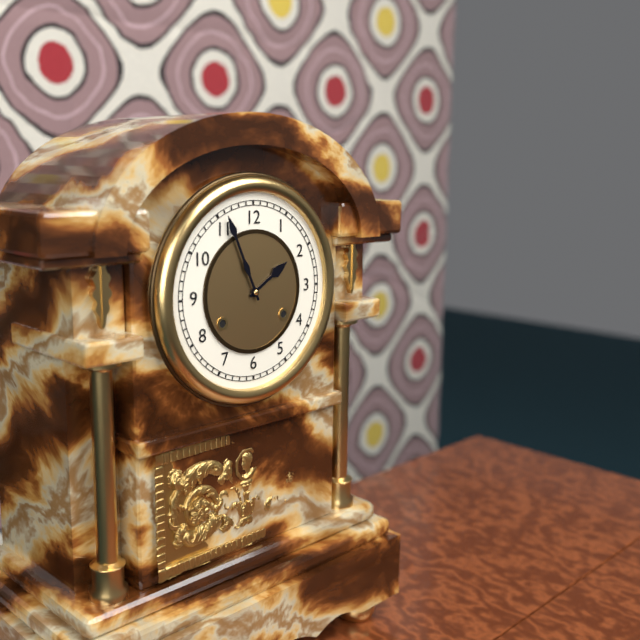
1,56
